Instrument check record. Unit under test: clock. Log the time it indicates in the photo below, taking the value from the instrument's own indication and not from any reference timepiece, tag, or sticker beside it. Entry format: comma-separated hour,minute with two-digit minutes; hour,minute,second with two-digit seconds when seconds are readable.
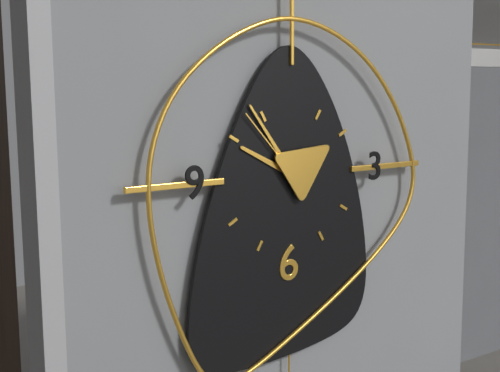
9,54,53
